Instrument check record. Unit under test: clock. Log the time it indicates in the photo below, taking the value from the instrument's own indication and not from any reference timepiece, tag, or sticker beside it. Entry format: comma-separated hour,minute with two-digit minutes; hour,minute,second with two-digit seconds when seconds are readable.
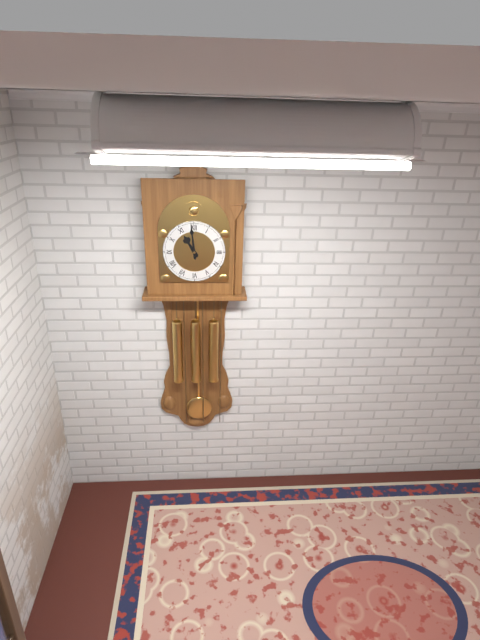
10,59
